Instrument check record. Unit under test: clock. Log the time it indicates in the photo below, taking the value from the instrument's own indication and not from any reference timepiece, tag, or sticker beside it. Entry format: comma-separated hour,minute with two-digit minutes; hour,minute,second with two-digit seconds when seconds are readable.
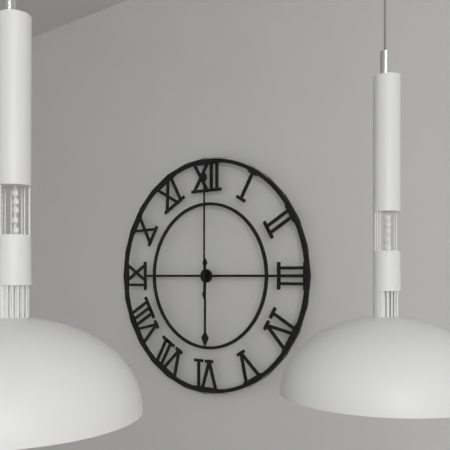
6,00
